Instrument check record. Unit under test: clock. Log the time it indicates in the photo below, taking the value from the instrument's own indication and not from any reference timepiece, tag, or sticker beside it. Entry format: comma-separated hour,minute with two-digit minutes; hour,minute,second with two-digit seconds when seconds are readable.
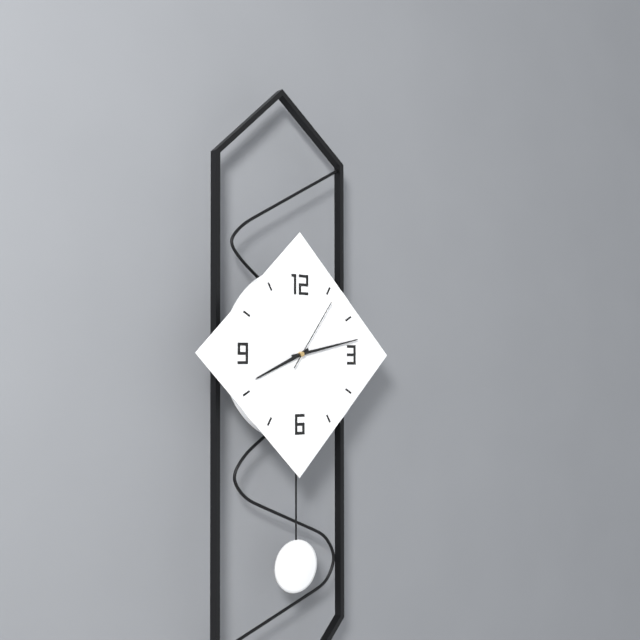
8,13,06
